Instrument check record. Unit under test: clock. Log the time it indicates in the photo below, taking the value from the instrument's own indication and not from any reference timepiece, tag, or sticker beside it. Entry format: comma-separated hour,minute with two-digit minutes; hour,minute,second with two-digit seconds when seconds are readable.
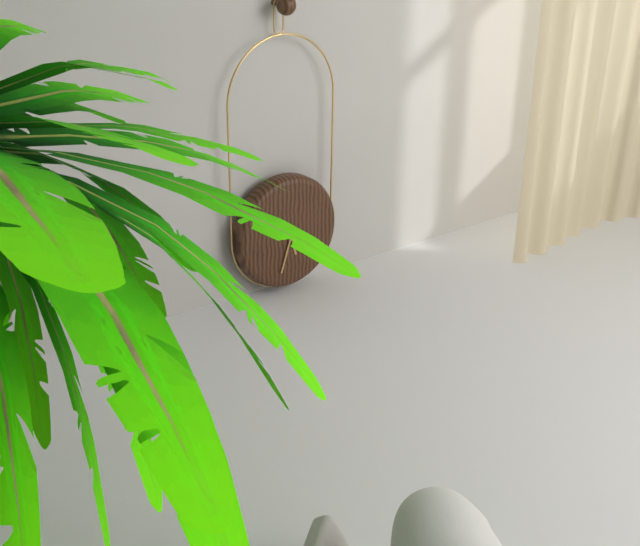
5,33
